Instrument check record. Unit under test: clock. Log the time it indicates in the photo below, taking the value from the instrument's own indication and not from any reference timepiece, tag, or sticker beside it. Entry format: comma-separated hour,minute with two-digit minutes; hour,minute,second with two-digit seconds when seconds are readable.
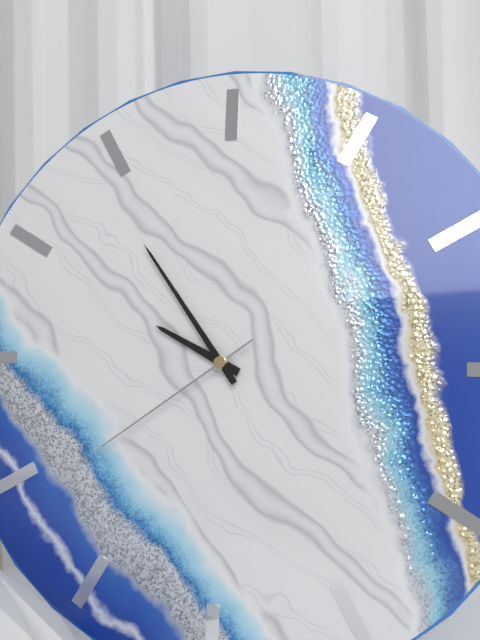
9,54,39
